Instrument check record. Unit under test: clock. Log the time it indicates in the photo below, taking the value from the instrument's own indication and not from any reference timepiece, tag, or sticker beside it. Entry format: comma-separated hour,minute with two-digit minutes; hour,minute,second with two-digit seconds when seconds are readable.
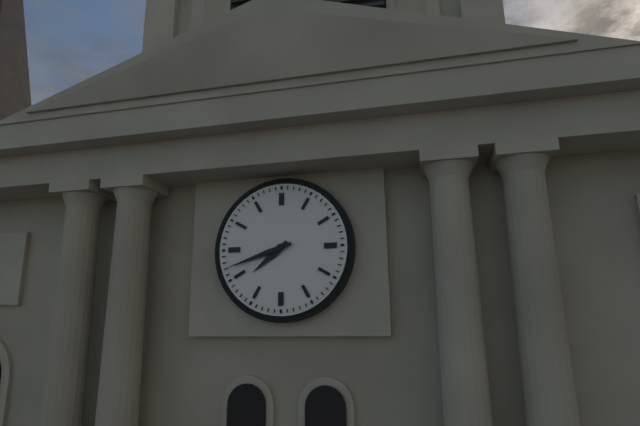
7,42
